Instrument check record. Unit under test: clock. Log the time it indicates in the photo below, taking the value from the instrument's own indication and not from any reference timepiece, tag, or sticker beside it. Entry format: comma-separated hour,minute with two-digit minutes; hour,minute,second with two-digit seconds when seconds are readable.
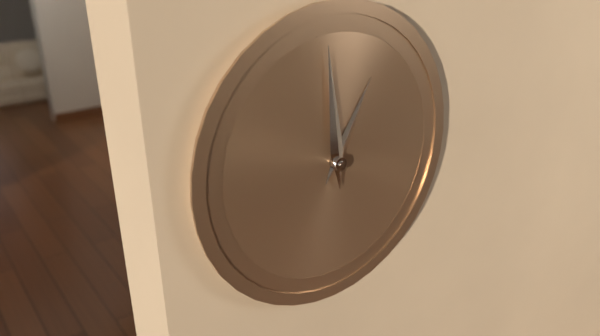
12,59
